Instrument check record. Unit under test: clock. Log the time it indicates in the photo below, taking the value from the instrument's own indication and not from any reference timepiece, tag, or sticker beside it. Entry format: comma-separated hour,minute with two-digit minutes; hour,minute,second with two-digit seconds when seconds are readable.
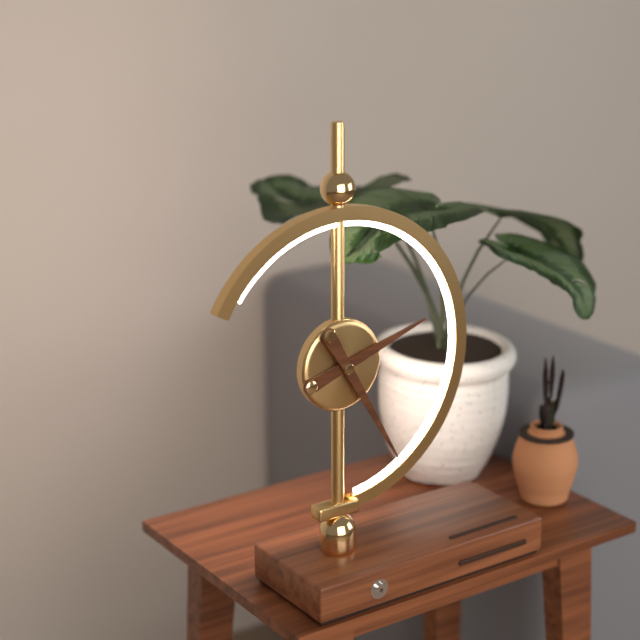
2,25
